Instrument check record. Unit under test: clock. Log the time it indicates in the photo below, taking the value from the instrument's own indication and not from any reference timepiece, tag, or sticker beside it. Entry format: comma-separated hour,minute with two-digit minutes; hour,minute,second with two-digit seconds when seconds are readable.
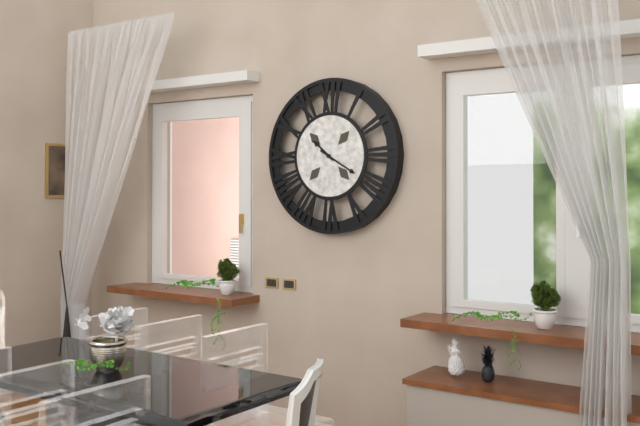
10,20
